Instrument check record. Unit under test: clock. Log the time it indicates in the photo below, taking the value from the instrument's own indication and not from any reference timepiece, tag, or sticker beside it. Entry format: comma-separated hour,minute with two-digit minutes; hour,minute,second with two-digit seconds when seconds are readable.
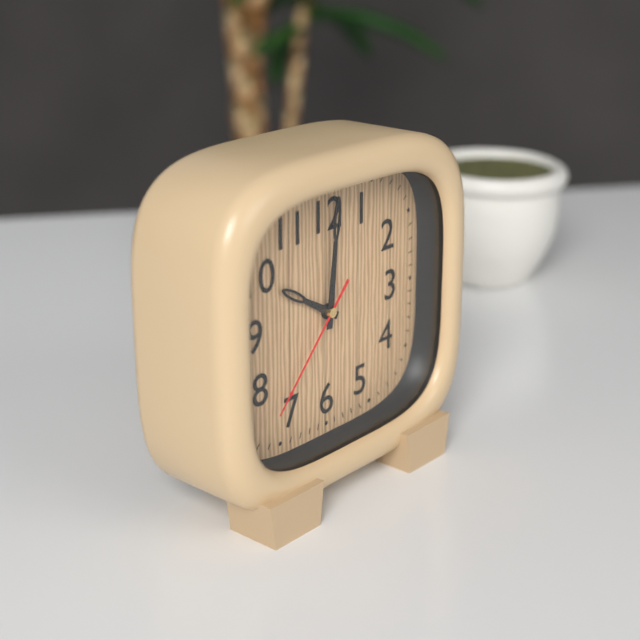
10,01,37
